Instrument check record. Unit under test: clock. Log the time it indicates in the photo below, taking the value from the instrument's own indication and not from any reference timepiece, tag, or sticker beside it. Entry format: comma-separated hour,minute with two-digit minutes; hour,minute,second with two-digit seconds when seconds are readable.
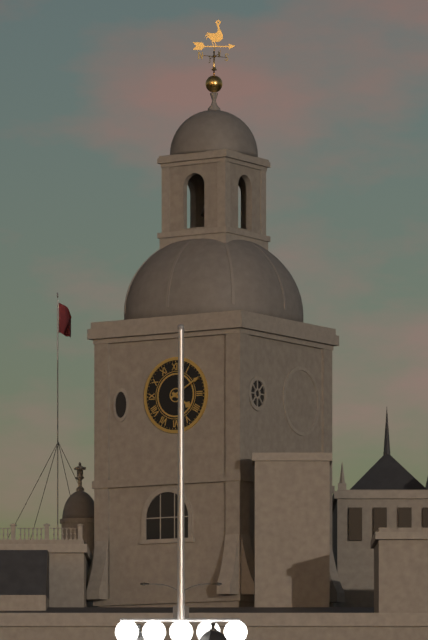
4,10
